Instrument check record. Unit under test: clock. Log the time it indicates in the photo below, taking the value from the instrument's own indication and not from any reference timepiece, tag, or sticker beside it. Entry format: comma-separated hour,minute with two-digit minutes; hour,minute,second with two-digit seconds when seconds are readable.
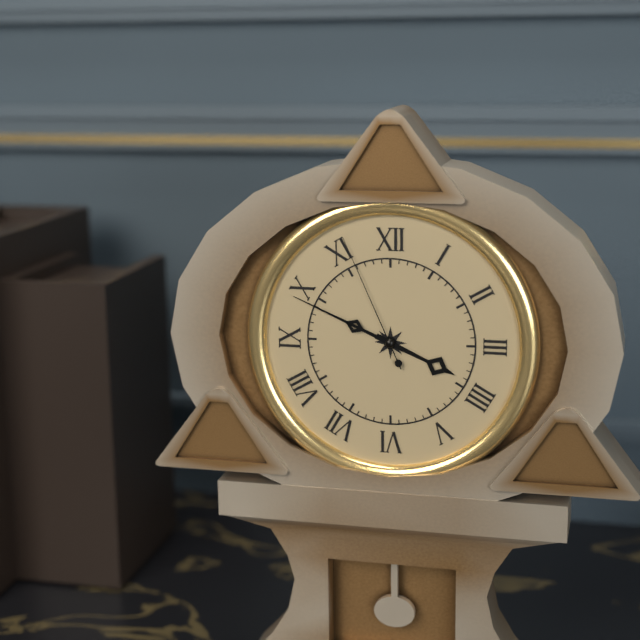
3,49,56
